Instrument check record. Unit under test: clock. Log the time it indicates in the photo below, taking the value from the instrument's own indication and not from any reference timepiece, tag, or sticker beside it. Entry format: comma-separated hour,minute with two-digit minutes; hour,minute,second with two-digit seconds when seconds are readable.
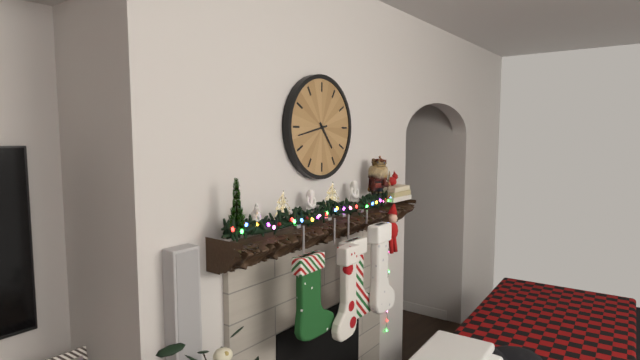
4,43
